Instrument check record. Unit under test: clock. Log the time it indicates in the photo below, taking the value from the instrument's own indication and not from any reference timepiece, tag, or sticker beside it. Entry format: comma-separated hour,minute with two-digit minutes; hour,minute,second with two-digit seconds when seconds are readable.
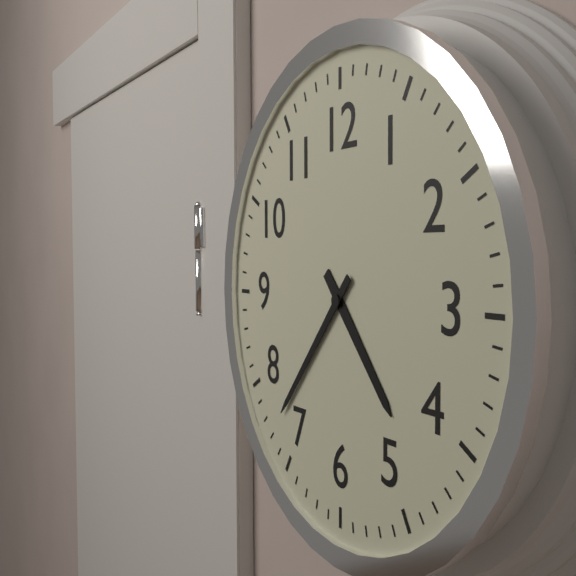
4,37
